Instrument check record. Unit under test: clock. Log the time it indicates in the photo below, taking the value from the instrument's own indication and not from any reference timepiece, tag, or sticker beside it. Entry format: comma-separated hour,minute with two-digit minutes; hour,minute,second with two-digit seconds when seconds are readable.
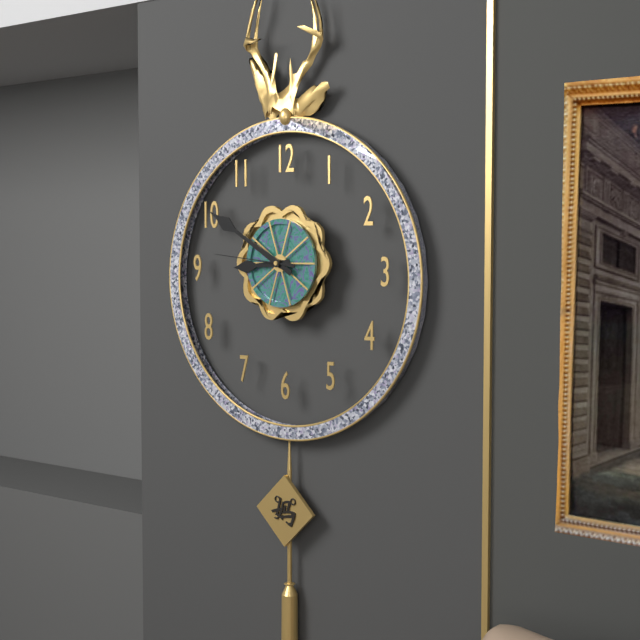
8,50,46
